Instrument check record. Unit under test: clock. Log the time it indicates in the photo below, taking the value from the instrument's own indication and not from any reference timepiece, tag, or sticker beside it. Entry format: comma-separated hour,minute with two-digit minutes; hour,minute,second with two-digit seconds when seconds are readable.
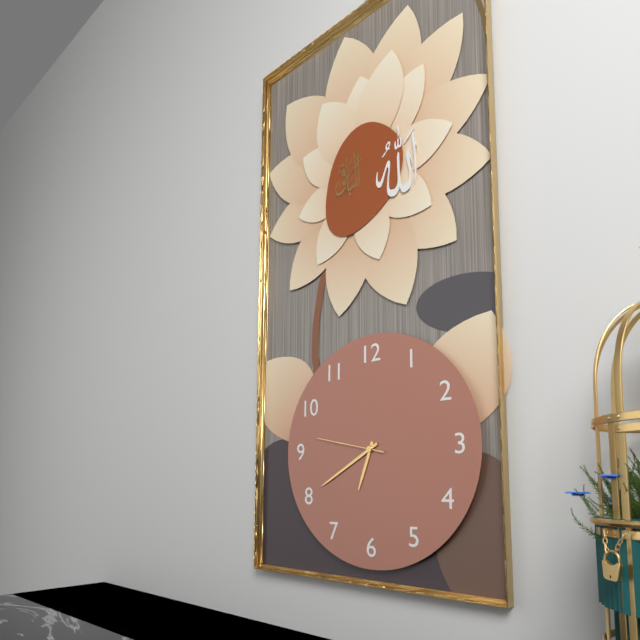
6,40,47
